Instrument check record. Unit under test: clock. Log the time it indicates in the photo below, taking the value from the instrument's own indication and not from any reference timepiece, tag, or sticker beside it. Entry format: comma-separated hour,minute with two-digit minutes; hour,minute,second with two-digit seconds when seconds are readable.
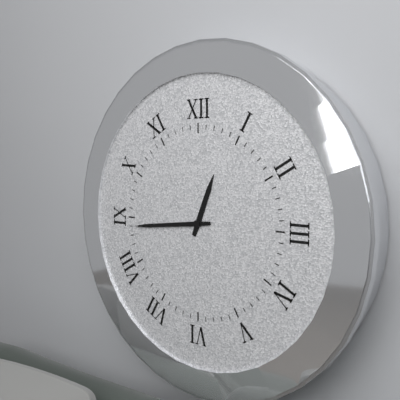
12,44
